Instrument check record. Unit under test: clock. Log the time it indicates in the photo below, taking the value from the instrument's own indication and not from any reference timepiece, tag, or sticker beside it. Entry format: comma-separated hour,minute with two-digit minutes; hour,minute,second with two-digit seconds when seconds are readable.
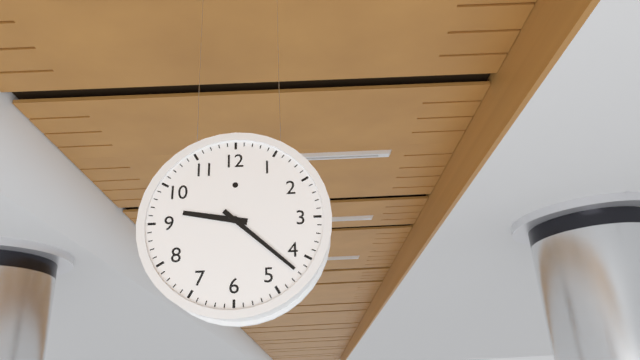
9,22
